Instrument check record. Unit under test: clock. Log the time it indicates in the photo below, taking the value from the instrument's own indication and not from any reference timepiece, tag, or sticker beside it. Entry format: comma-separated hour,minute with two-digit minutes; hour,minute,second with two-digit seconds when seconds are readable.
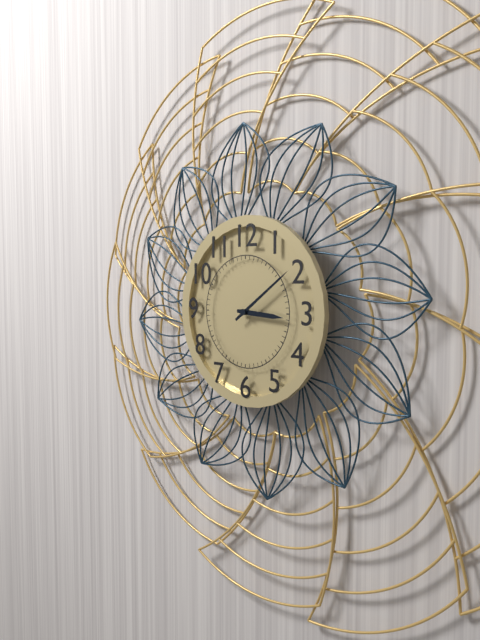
3,09
